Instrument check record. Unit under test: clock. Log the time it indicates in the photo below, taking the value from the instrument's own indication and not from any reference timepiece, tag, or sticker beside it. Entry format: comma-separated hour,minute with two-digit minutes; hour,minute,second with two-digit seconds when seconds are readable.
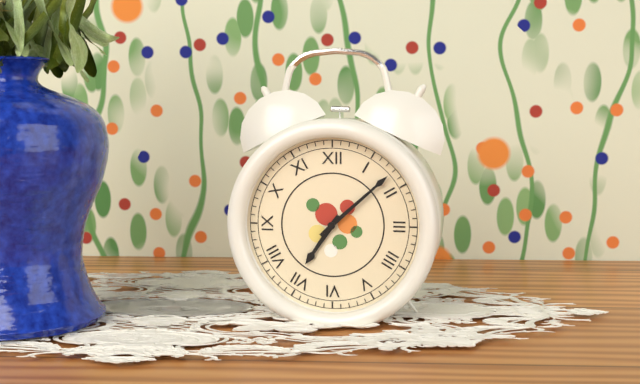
7,08
